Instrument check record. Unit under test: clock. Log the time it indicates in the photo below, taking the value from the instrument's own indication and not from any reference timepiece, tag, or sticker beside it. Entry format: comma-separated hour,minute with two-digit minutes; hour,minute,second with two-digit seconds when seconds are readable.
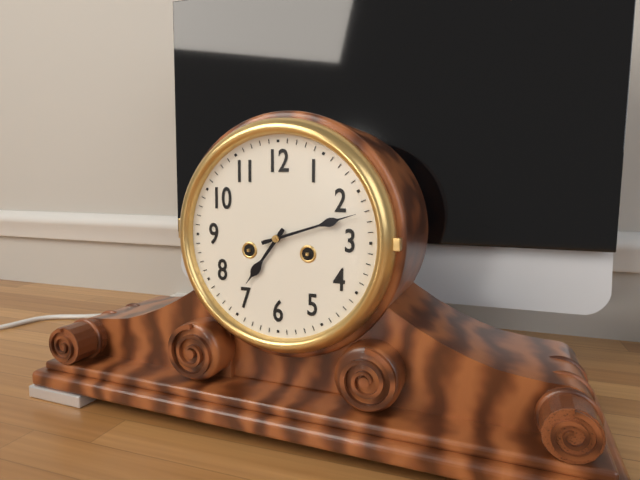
7,12
